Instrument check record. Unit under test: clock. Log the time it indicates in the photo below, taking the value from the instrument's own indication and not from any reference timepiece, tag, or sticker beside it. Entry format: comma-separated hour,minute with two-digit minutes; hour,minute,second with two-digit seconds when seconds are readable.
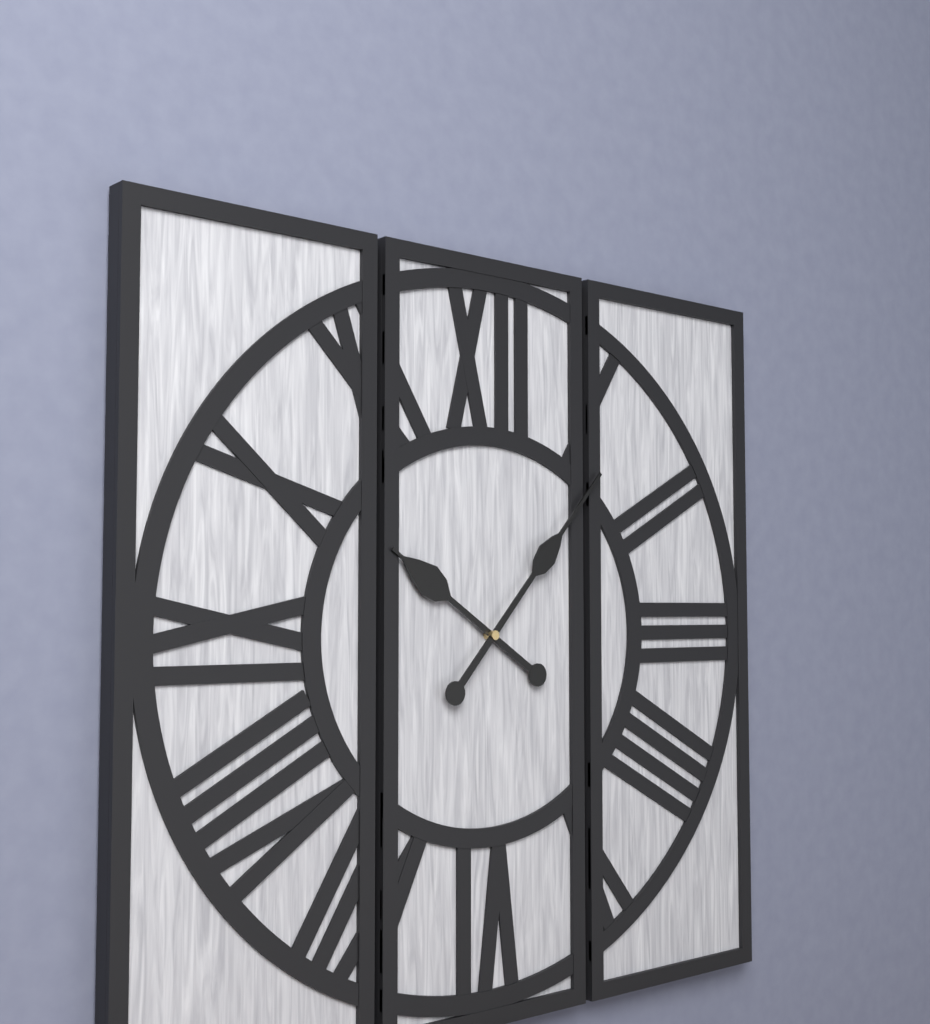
10,07
